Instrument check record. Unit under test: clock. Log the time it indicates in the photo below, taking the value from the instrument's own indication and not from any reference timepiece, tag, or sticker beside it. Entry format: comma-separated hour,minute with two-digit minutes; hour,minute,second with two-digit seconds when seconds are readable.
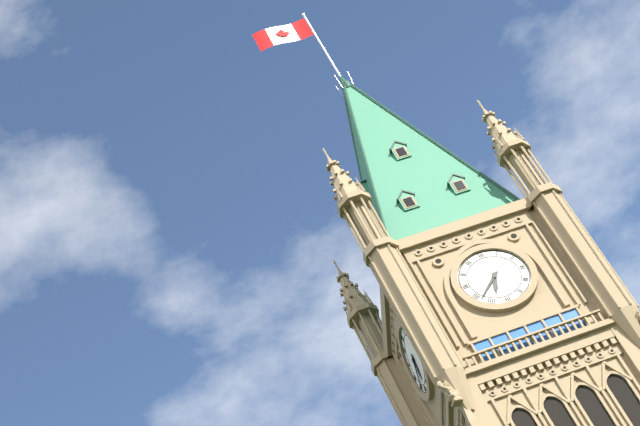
6,38
